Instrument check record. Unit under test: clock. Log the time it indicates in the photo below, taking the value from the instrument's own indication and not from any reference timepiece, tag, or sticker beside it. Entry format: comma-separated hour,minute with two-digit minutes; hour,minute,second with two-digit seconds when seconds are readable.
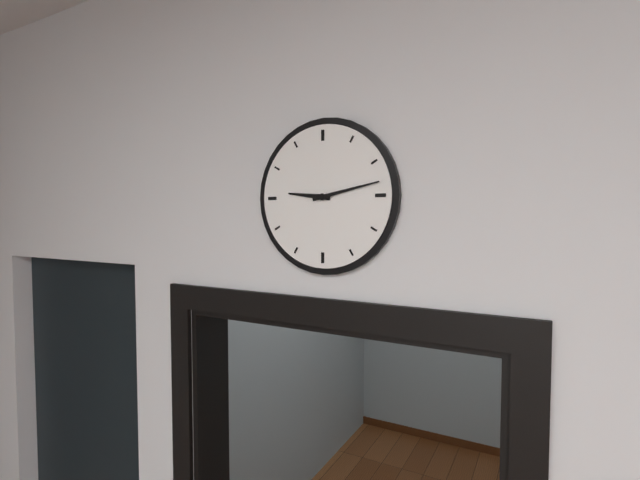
9,13
